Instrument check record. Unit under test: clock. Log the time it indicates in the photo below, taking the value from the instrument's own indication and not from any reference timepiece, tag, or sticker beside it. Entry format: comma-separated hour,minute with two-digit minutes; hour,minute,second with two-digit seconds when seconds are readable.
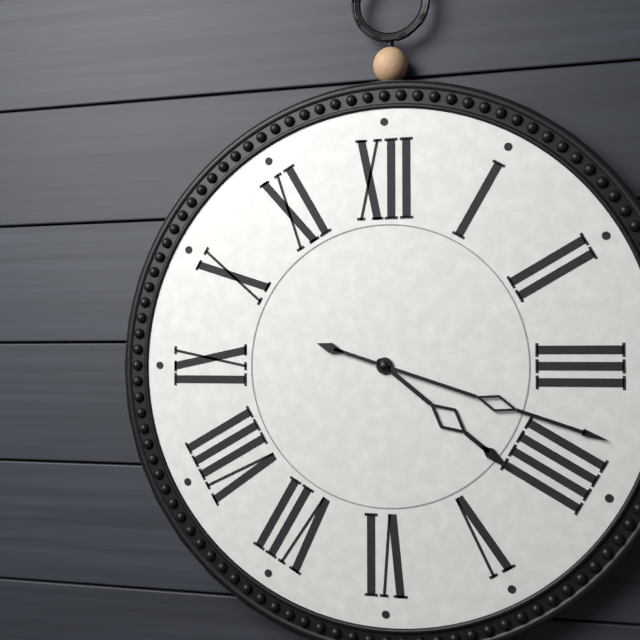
4,18
